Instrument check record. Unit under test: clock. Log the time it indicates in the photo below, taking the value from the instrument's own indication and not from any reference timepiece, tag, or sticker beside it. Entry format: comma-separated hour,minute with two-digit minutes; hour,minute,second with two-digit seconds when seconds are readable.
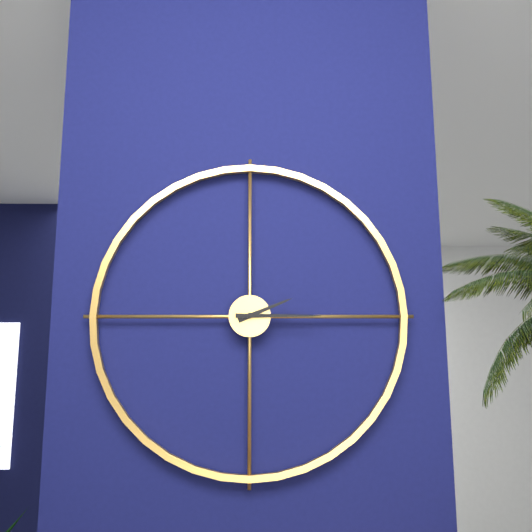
2,15
